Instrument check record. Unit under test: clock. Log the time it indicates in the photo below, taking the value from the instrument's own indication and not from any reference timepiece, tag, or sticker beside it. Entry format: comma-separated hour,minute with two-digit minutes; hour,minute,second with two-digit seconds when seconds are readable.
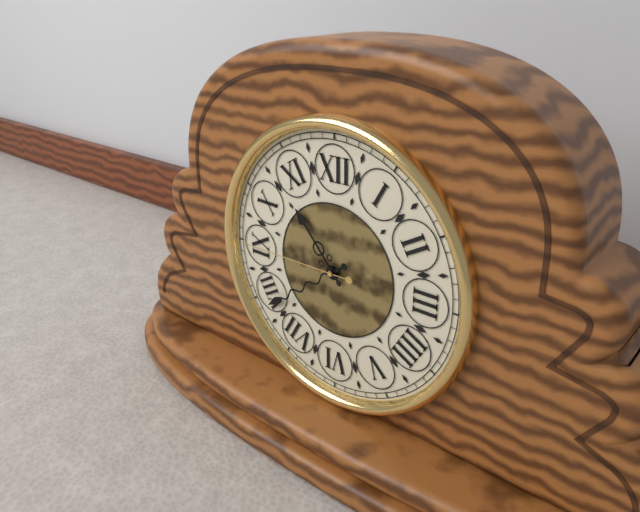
10,39,45
